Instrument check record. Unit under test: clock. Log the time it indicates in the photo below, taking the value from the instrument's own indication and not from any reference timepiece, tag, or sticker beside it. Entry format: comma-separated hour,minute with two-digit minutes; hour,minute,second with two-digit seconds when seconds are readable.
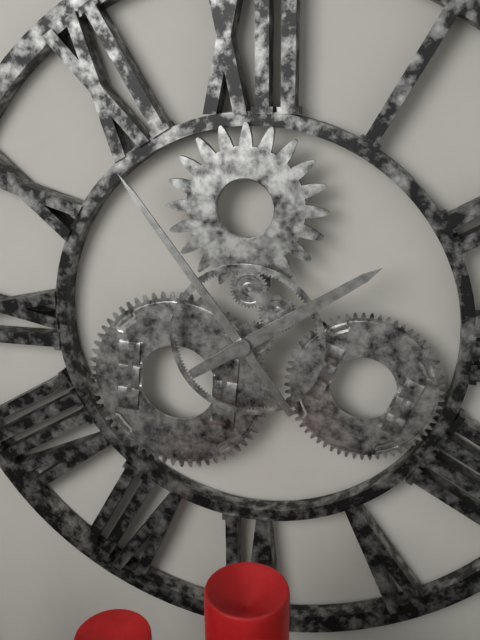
1,54
